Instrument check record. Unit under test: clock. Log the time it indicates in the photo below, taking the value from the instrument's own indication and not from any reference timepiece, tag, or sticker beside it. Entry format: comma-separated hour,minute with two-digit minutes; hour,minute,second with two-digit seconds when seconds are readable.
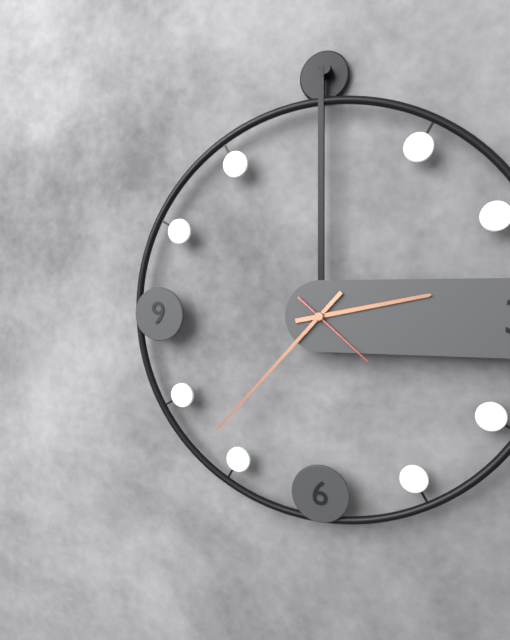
2,37,22
